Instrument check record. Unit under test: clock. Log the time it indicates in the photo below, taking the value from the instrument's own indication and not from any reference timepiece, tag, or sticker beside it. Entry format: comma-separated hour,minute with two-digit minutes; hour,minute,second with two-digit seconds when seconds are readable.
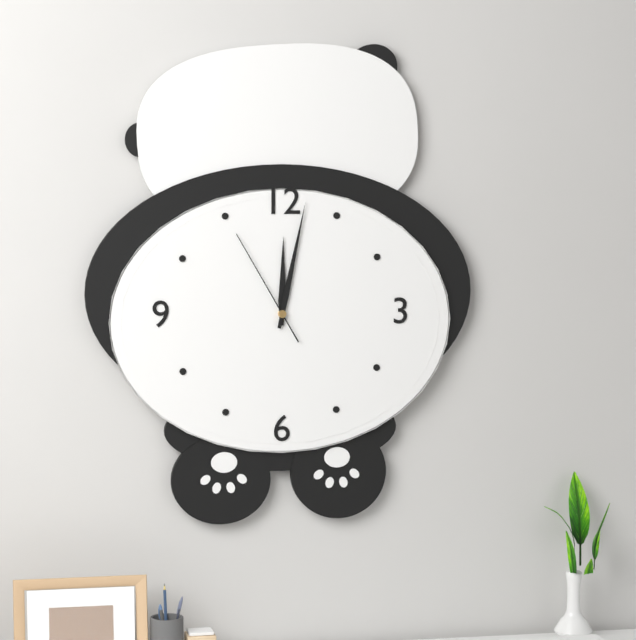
12,02,55
